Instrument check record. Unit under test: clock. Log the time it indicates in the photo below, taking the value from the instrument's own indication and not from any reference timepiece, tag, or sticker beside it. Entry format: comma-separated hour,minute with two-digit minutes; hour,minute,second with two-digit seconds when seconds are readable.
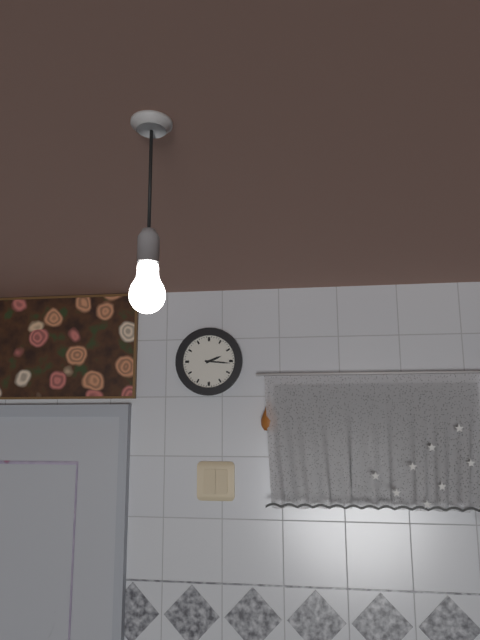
2,16
